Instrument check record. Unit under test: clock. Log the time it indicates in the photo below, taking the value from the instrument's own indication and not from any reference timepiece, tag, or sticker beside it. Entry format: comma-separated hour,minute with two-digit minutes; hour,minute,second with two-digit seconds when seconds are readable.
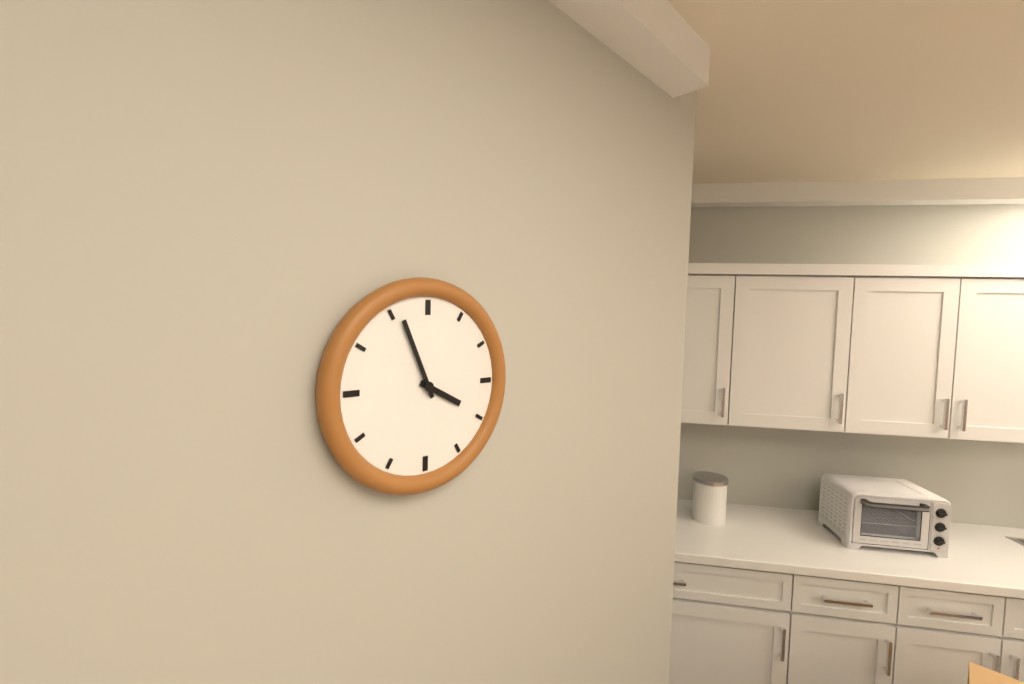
3,56
